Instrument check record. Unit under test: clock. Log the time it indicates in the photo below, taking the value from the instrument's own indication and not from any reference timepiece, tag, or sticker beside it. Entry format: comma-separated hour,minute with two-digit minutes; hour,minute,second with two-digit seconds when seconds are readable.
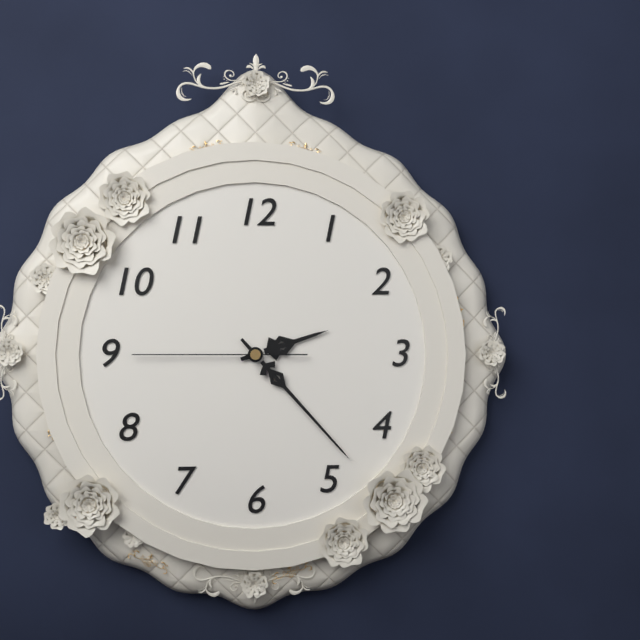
2,23,45
